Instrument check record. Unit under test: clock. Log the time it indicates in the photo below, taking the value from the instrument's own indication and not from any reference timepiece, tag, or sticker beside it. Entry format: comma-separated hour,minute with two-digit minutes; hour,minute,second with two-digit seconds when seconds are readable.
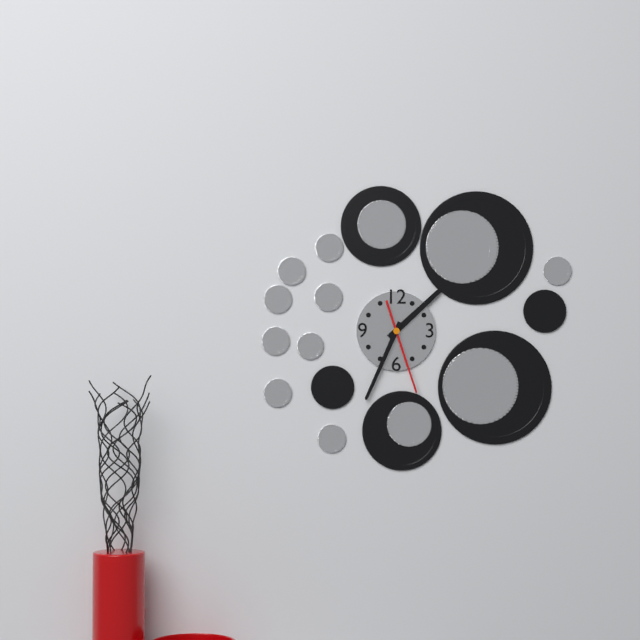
1,34,27
